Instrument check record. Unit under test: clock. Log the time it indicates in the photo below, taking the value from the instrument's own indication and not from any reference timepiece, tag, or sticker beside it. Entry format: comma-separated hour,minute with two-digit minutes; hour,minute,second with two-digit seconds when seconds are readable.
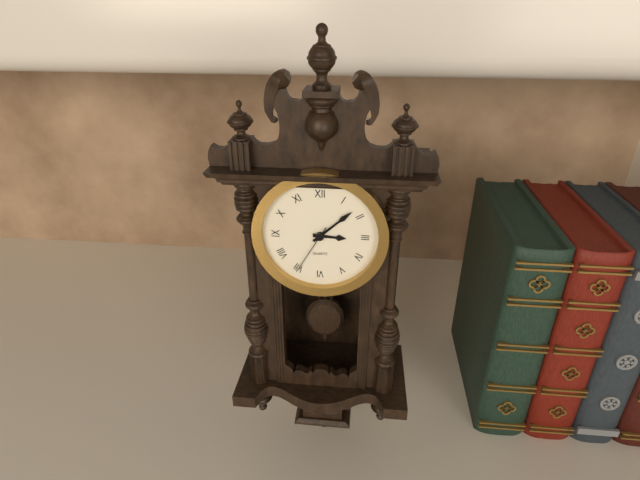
3,08,35
